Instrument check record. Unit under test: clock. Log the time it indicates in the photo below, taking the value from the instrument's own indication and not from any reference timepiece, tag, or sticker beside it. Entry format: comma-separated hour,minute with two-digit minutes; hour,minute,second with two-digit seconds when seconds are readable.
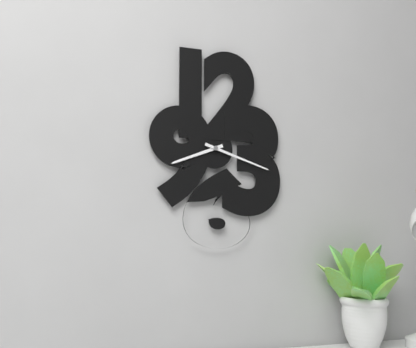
8,18
